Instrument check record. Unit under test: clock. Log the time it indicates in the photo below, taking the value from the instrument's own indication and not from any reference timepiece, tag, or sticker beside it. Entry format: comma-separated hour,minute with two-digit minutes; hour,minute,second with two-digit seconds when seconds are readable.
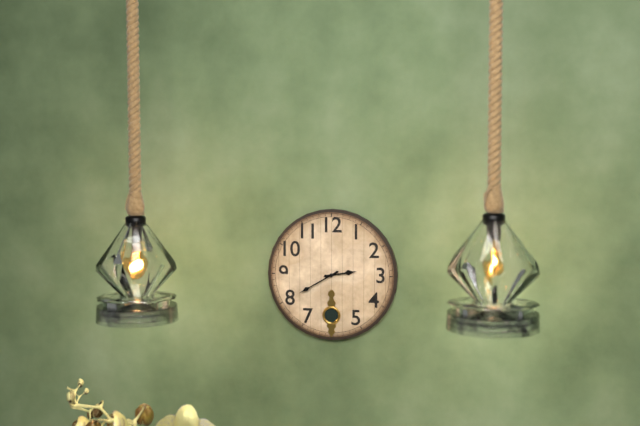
2,40
